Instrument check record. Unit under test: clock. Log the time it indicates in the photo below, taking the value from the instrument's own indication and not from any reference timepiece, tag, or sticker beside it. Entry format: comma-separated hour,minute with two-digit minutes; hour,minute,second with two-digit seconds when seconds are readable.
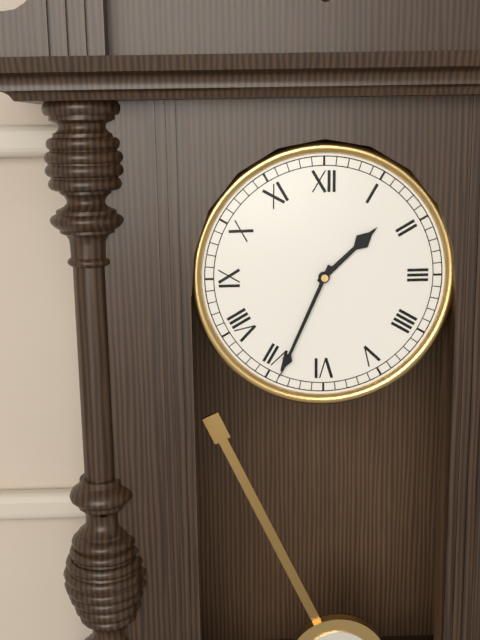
1,34
